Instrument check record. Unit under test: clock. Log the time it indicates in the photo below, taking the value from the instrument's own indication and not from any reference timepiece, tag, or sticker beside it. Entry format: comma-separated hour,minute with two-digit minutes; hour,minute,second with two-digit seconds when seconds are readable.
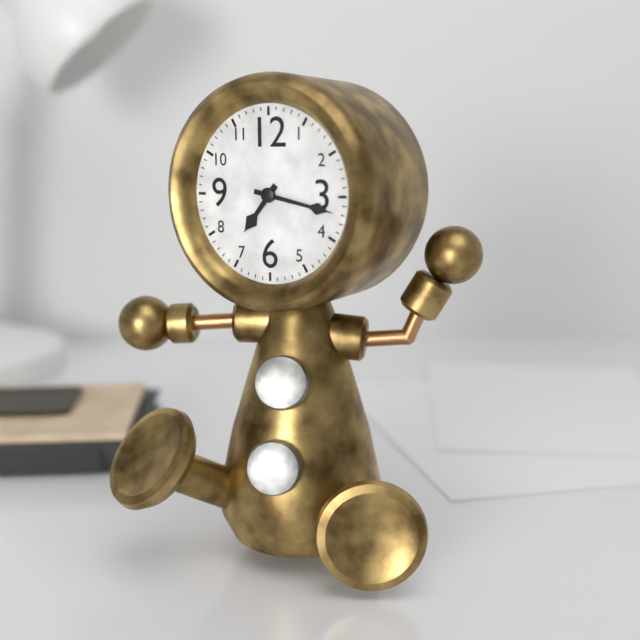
7,17
